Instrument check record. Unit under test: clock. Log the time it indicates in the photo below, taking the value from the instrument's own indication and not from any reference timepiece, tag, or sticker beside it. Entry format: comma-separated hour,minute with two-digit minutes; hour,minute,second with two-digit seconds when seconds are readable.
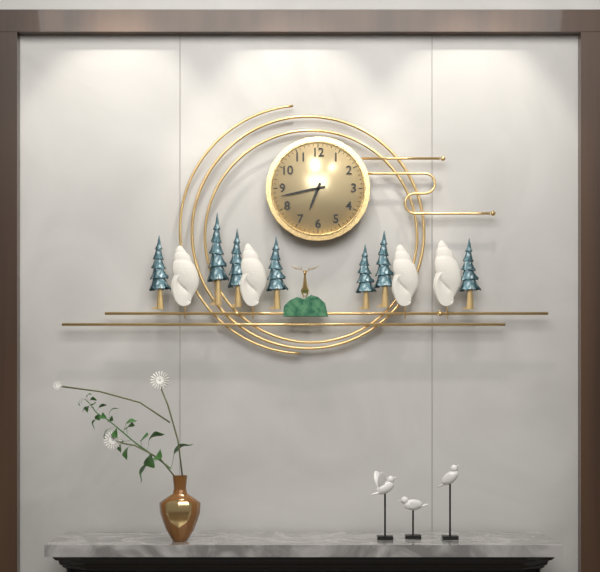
6,43
